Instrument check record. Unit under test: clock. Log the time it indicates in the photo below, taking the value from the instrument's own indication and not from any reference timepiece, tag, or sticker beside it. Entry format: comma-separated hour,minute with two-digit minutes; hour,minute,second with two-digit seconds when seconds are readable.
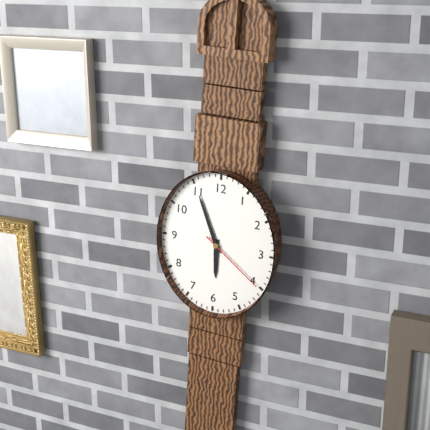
5,56,21
